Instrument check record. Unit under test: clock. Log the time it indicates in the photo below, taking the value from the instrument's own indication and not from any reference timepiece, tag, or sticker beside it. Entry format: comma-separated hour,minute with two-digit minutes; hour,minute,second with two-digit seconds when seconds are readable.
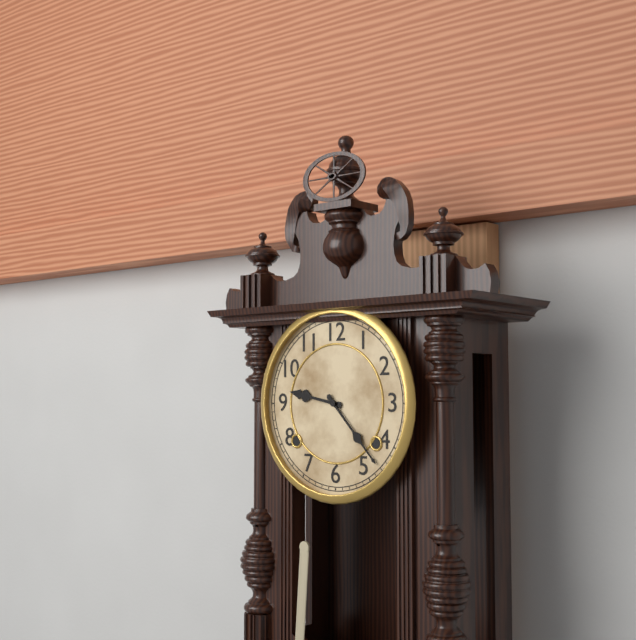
9,23
